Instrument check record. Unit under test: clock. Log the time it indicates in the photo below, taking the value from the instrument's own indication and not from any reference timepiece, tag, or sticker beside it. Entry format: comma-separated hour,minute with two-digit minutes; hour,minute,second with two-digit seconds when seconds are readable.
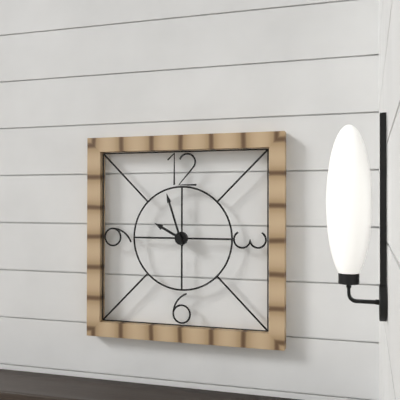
9,57
